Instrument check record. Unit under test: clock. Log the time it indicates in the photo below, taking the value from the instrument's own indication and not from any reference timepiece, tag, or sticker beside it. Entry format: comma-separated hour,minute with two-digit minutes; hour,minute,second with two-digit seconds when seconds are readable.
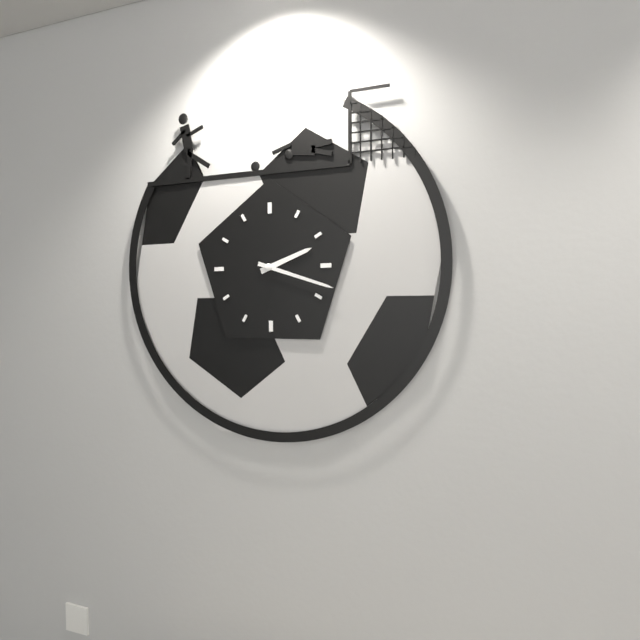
2,18
